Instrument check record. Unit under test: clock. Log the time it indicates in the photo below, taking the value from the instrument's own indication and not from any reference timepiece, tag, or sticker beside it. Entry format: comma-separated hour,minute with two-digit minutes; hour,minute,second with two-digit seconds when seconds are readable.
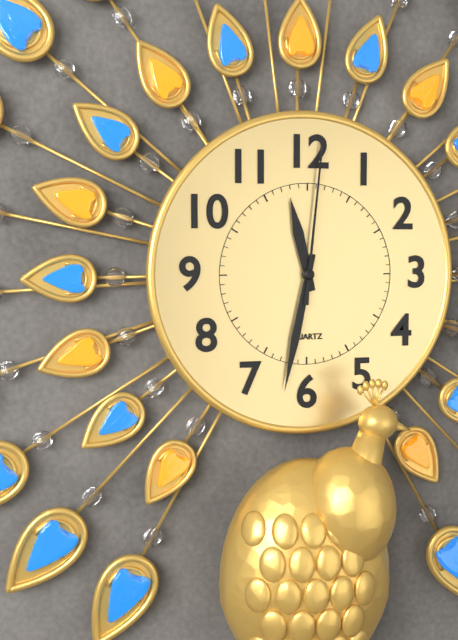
11,32,01
